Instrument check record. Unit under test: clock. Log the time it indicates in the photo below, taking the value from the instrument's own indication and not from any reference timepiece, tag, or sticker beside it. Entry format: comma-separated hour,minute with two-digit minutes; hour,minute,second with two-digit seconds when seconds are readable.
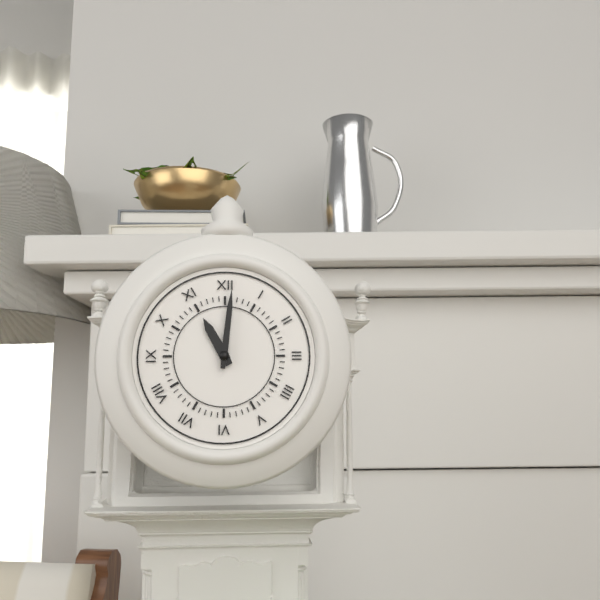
11,01
